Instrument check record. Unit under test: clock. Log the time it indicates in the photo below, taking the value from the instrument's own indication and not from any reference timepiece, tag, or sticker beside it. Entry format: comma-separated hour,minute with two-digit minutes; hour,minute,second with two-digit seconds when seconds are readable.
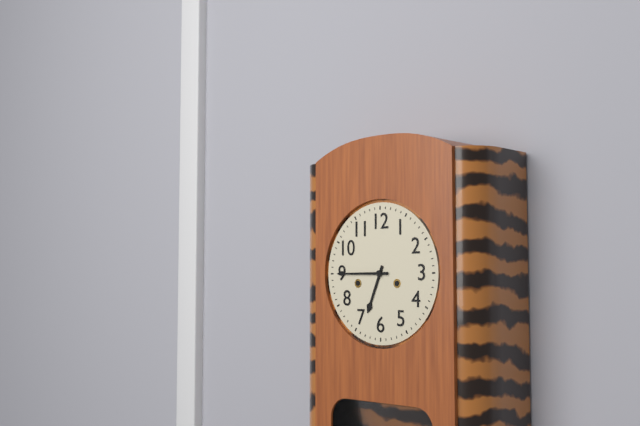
6,45
